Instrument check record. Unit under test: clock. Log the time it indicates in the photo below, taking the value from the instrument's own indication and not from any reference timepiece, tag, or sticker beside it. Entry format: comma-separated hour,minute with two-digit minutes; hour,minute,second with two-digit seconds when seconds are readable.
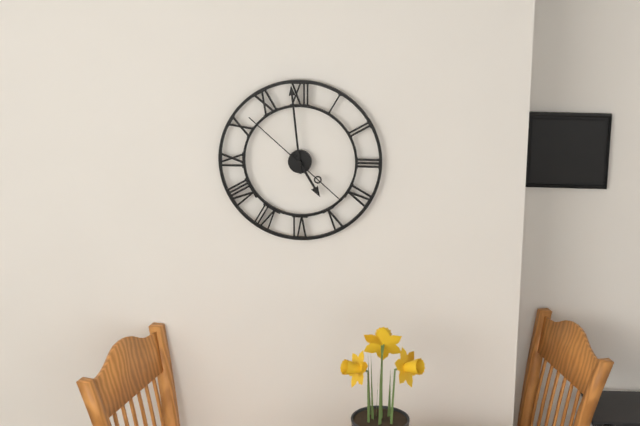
4,59,52
